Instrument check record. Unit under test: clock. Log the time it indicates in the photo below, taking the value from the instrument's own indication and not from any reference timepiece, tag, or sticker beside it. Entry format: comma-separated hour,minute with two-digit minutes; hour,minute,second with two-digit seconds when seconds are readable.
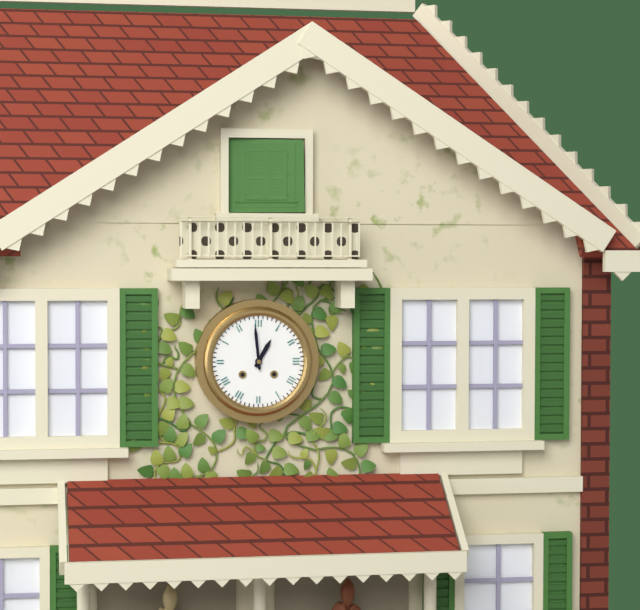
12,59
